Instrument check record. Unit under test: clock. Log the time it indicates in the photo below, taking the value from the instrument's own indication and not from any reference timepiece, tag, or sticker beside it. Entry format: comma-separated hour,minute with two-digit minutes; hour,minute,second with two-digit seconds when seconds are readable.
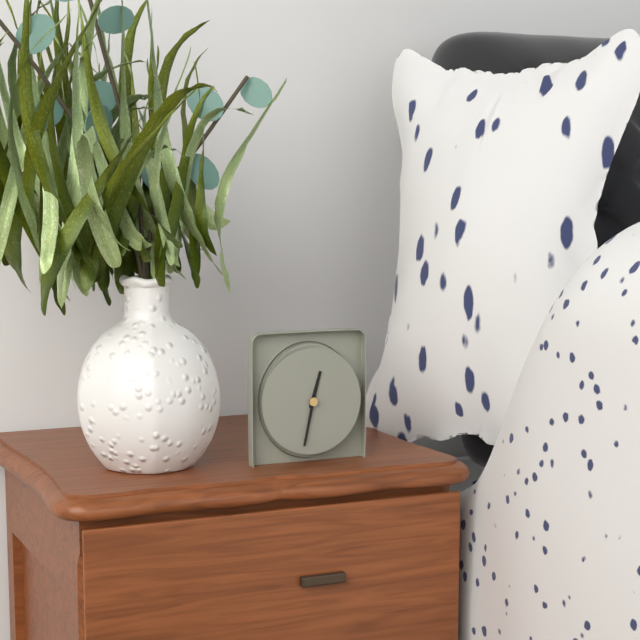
12,32
